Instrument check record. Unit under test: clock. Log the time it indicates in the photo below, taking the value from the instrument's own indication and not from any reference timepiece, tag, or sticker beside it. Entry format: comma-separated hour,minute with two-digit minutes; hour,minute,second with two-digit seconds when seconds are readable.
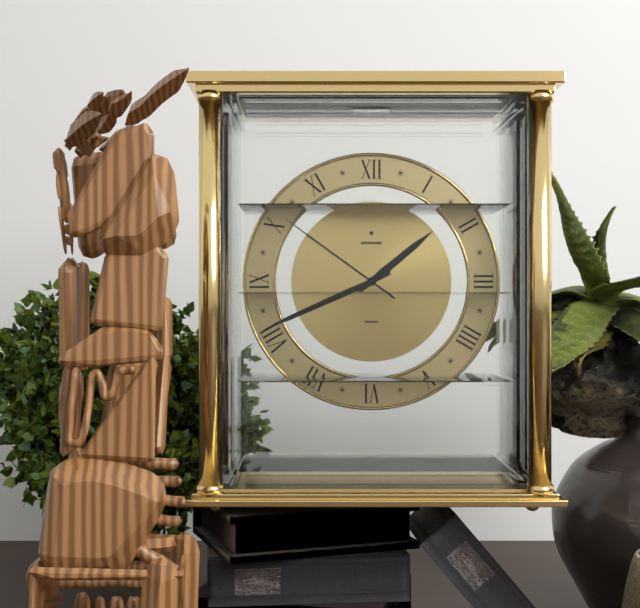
1,41,51
